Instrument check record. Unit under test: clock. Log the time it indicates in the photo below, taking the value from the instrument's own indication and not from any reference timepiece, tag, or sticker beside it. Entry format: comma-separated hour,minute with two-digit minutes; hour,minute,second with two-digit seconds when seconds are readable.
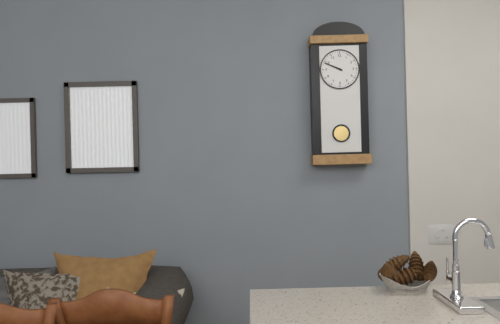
9,49
